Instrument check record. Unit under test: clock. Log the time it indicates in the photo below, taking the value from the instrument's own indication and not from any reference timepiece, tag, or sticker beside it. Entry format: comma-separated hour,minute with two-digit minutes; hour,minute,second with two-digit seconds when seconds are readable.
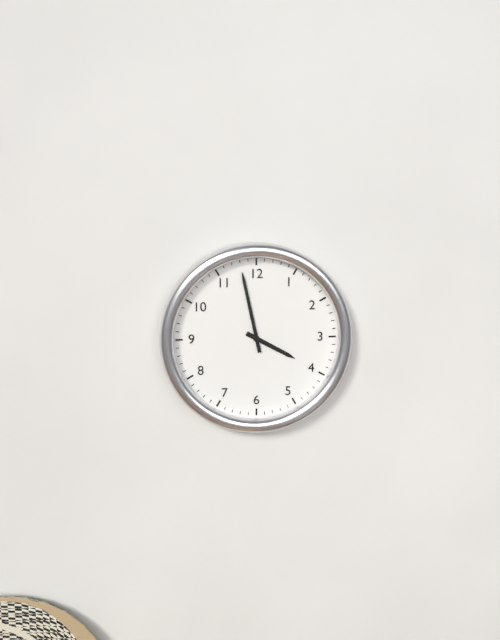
3,58
